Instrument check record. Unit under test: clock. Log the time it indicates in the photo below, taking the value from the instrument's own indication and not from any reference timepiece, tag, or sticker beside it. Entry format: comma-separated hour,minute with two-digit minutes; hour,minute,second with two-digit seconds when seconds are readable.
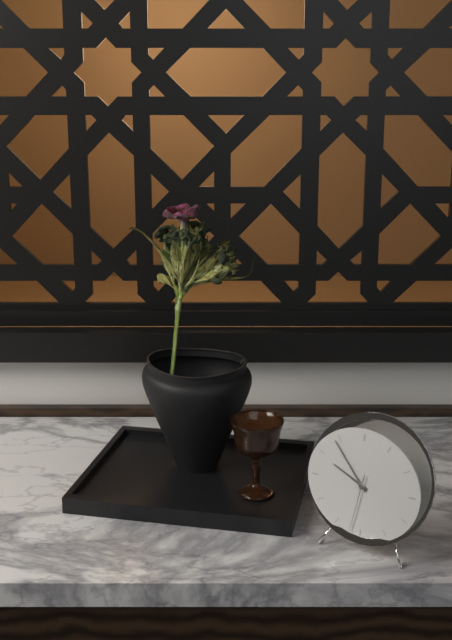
9,54,32
